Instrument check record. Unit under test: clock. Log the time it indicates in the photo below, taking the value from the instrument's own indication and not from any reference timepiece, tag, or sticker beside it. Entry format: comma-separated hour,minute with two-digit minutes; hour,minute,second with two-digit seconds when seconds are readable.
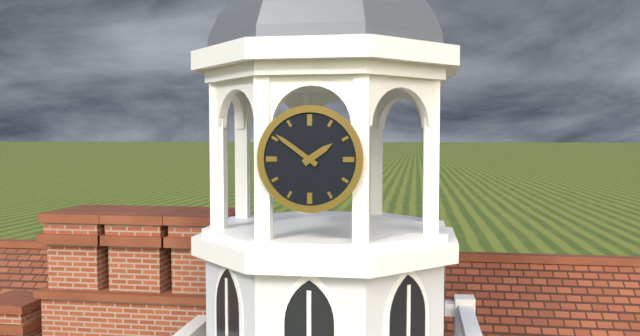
1,51
